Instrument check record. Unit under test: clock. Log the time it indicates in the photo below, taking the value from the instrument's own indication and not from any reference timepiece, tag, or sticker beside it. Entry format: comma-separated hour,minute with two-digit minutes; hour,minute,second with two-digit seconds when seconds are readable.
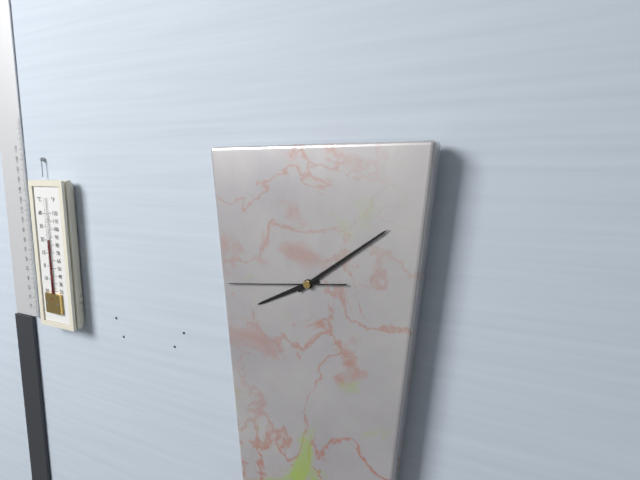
8,09,44
